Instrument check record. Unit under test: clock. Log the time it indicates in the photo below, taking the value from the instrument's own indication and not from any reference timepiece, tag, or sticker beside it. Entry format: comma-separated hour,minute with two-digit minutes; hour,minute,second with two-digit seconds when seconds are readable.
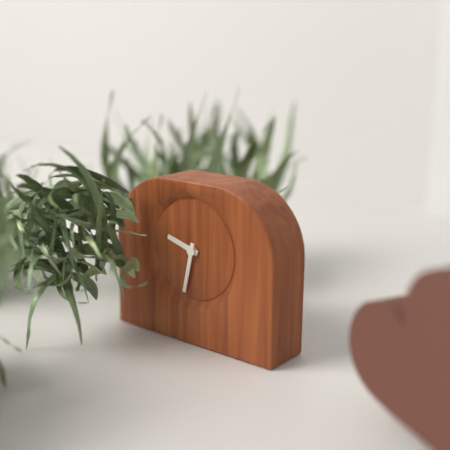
9,32
